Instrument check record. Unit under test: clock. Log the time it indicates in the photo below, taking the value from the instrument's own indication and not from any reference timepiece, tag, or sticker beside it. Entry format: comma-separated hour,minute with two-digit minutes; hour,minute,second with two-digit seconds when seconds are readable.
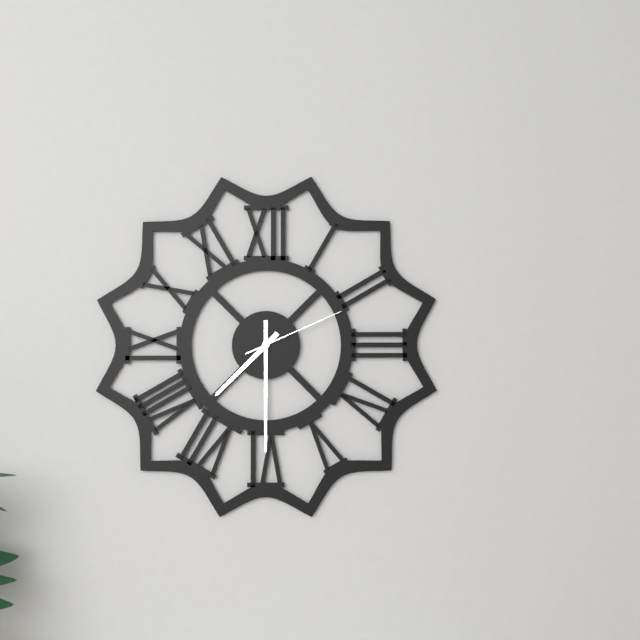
7,30,11
